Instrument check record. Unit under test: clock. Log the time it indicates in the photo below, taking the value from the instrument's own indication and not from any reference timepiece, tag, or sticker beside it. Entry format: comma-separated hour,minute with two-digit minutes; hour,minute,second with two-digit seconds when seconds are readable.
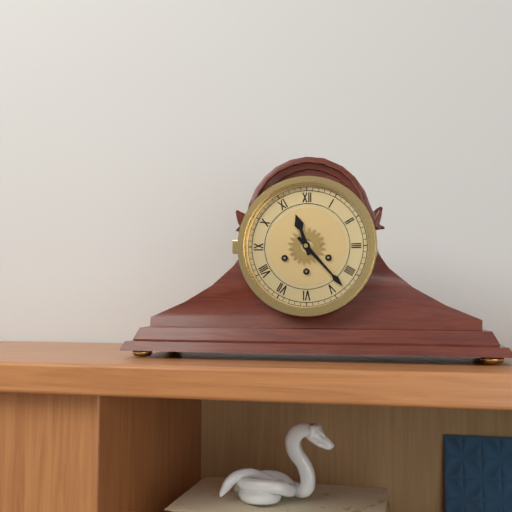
11,23
